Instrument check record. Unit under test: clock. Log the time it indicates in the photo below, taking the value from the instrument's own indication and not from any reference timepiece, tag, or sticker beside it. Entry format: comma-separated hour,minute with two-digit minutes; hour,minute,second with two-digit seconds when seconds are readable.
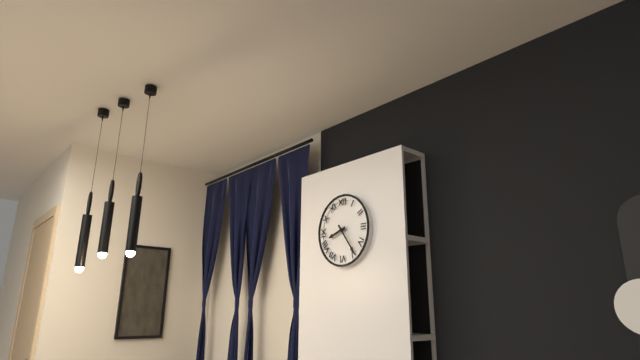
8,24
